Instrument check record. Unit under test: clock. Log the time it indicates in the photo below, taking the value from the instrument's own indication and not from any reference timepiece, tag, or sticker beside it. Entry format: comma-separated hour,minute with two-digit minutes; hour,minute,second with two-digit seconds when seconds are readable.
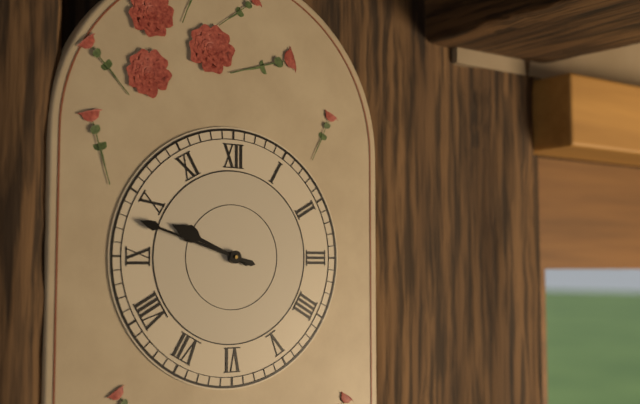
9,48
